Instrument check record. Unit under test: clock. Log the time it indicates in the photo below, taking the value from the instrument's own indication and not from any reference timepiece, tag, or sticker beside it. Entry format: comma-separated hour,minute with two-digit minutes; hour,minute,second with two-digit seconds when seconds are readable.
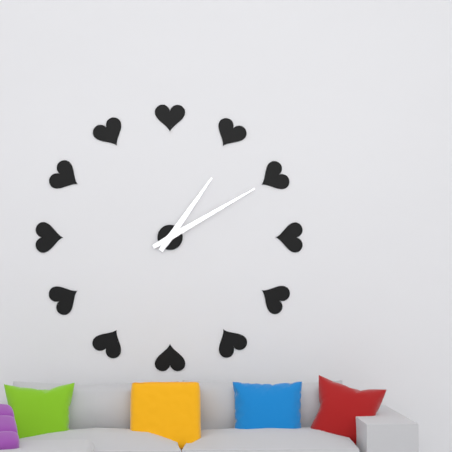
1,10
